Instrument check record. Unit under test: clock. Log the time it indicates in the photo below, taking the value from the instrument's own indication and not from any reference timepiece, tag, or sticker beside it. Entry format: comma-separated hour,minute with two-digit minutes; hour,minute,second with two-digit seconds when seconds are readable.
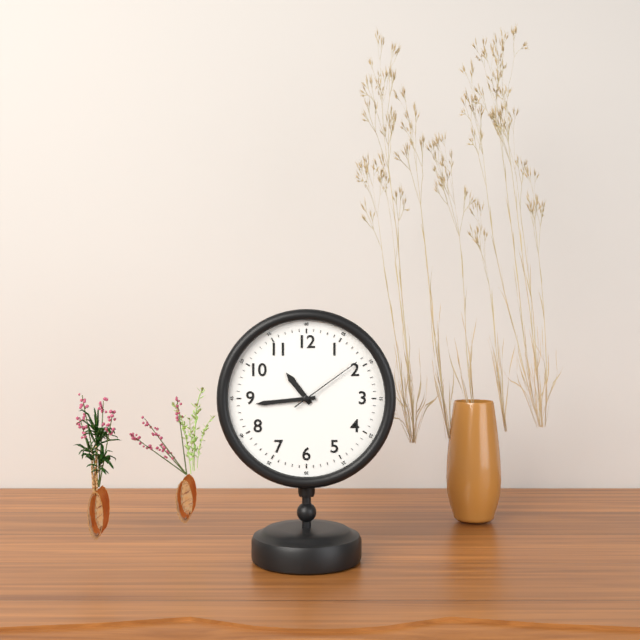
10,44,09
